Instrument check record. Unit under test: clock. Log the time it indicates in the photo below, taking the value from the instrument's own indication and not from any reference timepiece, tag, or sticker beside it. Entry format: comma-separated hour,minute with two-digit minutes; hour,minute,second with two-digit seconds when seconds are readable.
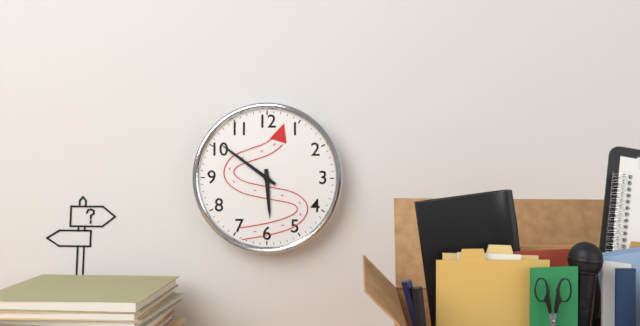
5,51
